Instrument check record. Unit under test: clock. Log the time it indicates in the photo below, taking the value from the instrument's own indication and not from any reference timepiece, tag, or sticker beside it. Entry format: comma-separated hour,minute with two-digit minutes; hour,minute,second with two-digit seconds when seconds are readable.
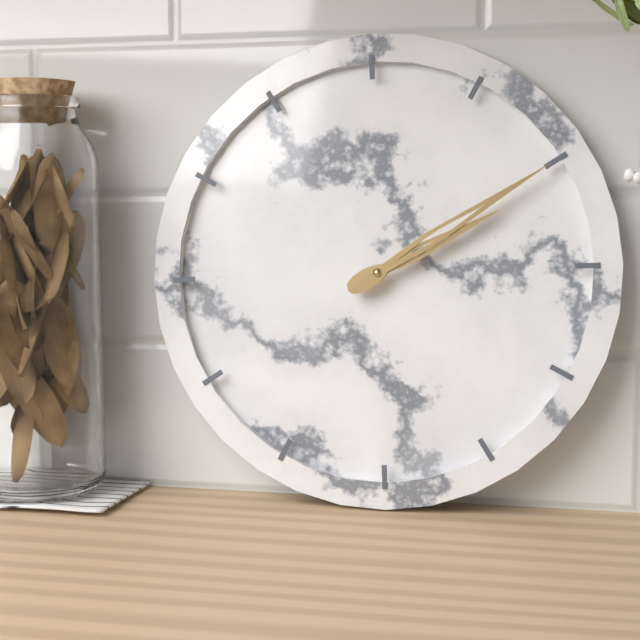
2,10
